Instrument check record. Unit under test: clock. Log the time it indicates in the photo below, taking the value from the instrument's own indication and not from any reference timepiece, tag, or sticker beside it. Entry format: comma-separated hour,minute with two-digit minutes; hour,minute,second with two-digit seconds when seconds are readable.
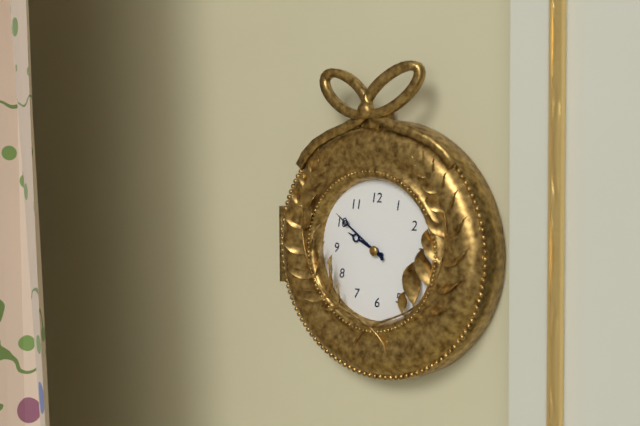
9,51
